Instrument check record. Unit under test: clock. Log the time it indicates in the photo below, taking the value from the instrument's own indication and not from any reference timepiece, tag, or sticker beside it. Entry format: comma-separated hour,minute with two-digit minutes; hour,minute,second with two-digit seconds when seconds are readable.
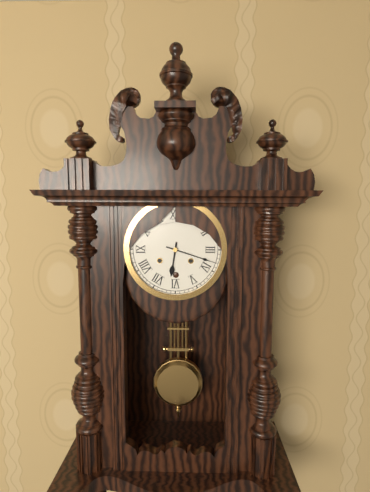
6,18
